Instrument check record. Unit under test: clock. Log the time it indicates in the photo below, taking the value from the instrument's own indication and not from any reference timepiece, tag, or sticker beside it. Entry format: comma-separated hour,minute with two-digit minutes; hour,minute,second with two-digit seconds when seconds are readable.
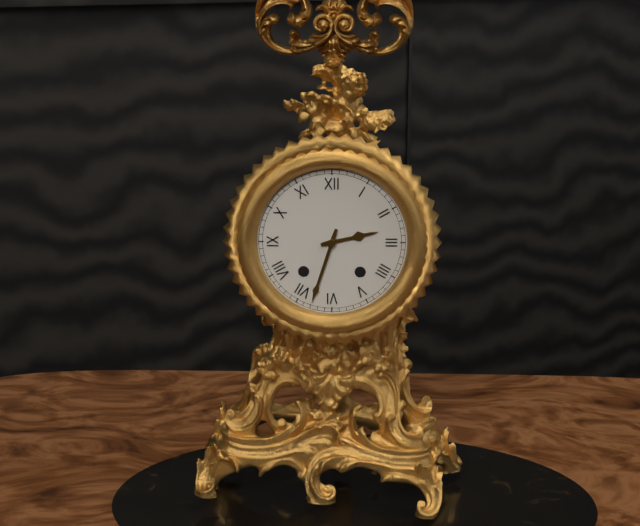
2,33
